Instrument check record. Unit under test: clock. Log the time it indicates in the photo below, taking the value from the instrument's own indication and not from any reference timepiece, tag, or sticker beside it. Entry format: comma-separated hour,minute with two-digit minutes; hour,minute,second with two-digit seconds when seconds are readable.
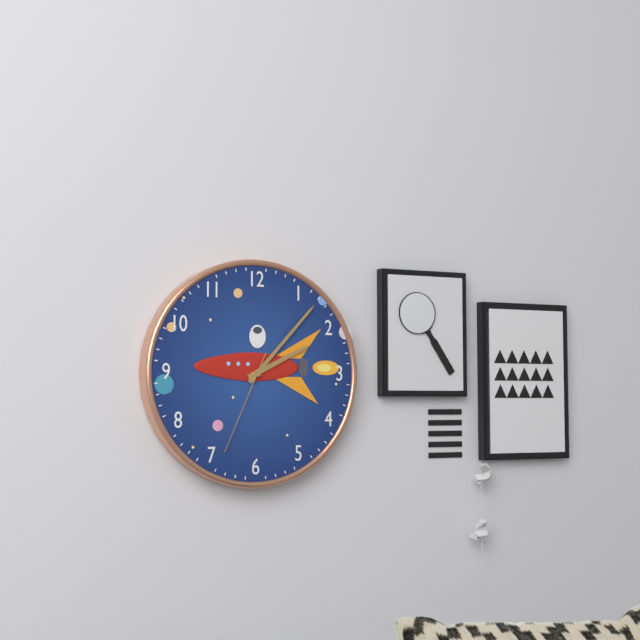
2,07,34
